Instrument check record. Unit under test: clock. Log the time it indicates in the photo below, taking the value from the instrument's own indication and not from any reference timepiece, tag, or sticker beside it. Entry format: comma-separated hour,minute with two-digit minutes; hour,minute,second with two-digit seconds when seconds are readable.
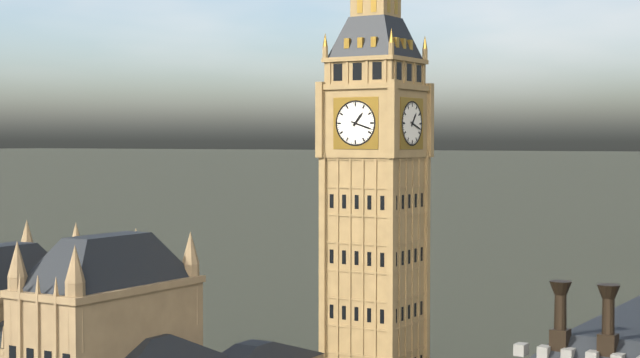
1,18
